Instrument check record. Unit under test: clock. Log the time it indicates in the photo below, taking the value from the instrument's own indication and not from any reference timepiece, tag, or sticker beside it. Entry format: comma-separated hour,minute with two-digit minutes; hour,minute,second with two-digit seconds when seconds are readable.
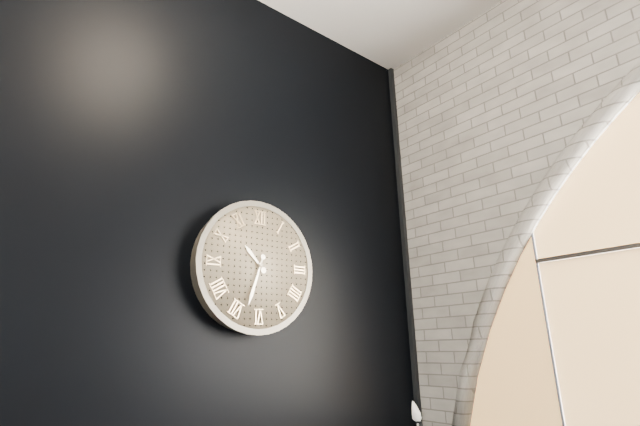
10,33
